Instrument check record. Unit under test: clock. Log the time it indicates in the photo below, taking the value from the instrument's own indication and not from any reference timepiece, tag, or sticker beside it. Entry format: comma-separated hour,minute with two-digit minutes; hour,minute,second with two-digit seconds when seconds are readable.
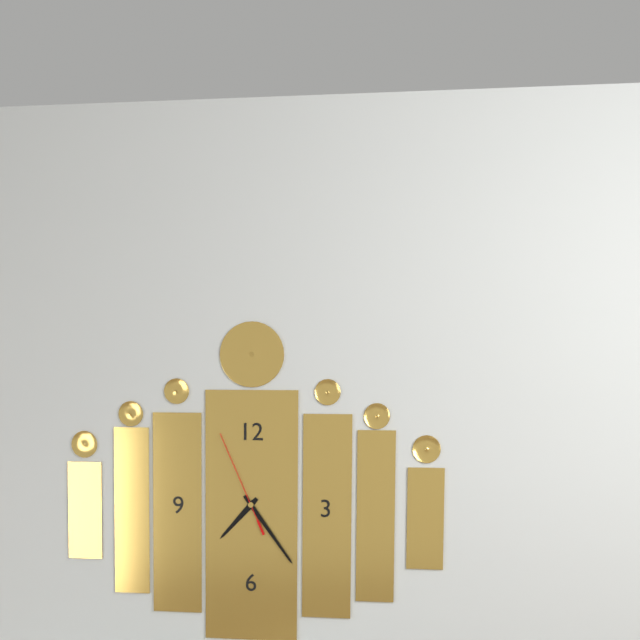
7,24,56
